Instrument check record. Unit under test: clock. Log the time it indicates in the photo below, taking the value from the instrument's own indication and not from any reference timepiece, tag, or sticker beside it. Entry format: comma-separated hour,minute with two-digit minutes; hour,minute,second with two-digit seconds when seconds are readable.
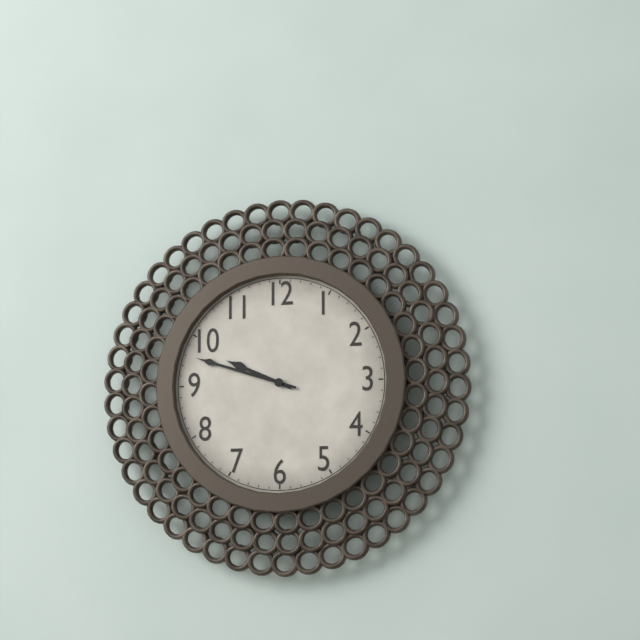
9,48
